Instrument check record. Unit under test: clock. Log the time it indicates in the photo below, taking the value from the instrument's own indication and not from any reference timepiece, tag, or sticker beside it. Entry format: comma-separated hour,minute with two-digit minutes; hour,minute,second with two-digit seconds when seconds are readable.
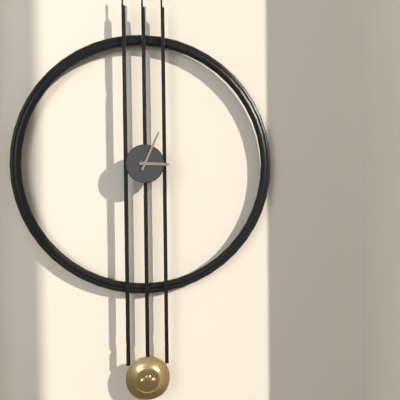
3,04
